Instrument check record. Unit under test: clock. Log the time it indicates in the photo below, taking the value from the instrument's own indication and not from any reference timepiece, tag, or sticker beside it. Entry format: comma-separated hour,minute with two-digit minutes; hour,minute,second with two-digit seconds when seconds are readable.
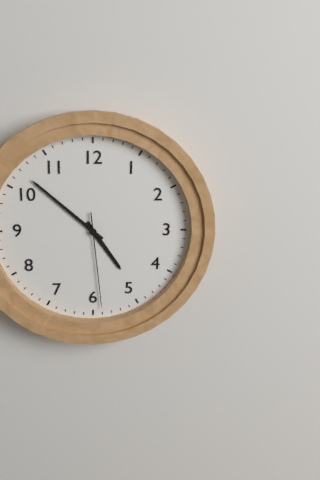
4,52,29
